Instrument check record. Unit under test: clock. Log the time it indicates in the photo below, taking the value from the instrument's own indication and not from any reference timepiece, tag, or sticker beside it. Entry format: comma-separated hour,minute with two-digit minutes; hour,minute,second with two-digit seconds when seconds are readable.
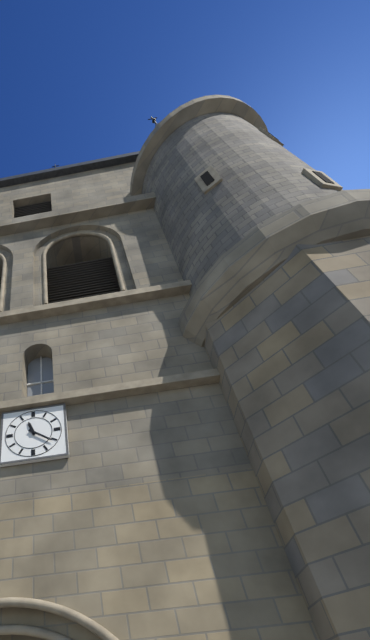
11,21
